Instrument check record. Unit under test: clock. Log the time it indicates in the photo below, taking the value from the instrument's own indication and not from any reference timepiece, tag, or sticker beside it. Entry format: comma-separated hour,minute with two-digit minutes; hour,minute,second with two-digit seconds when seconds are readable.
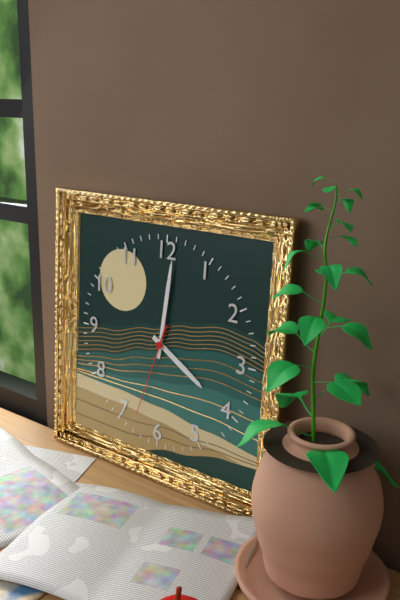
4,01,33
